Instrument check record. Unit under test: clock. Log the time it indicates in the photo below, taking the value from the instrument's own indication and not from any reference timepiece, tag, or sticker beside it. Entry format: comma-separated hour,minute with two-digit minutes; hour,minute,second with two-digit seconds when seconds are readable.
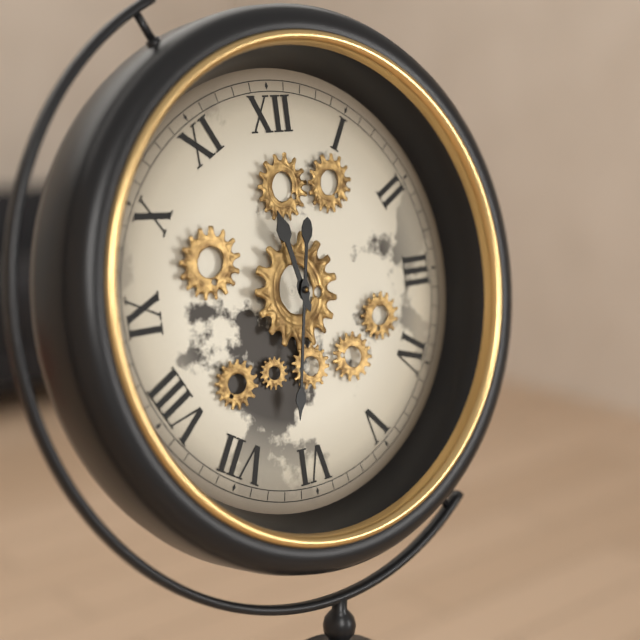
11,32
